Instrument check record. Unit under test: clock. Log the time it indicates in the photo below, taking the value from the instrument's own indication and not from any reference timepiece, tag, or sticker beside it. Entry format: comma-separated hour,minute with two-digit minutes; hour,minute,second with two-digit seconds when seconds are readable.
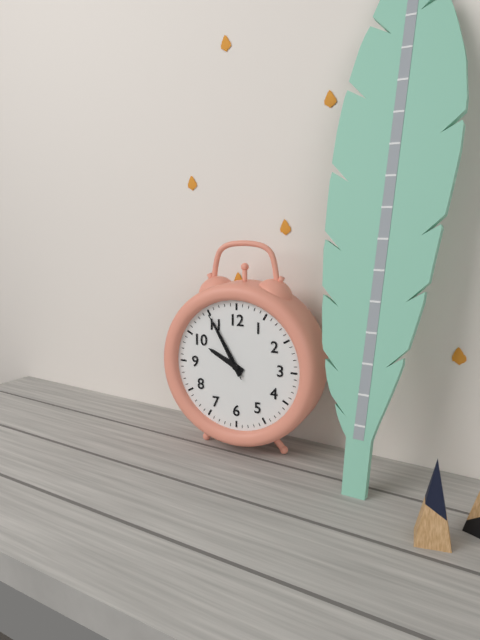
9,55,55
